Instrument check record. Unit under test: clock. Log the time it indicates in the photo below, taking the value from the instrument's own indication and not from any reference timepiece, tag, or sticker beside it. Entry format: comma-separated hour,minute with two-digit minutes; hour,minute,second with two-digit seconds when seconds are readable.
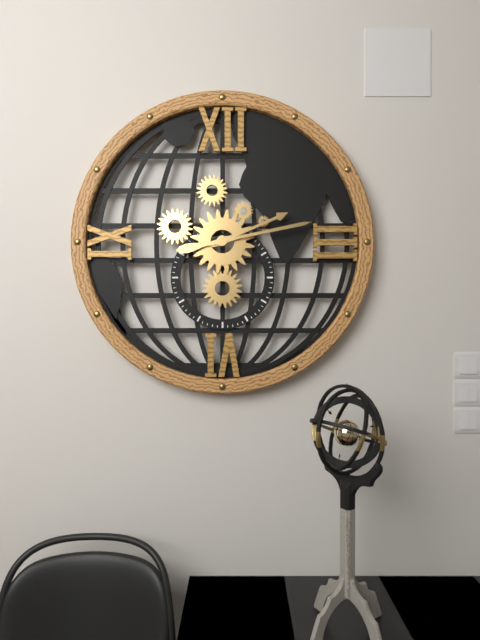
2,13
